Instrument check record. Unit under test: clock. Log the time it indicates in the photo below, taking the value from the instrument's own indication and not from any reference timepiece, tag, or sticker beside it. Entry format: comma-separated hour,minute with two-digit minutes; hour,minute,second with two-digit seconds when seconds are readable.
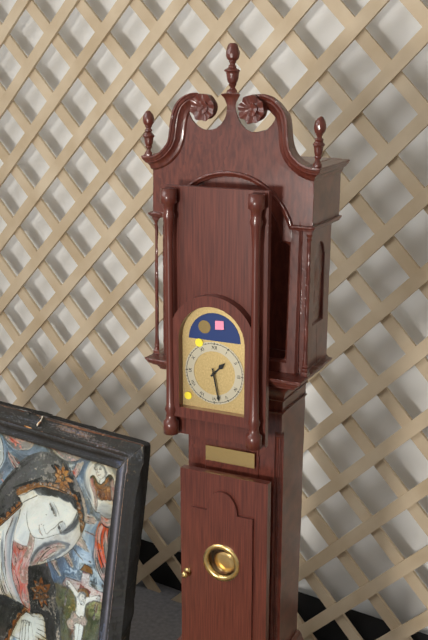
1,28
